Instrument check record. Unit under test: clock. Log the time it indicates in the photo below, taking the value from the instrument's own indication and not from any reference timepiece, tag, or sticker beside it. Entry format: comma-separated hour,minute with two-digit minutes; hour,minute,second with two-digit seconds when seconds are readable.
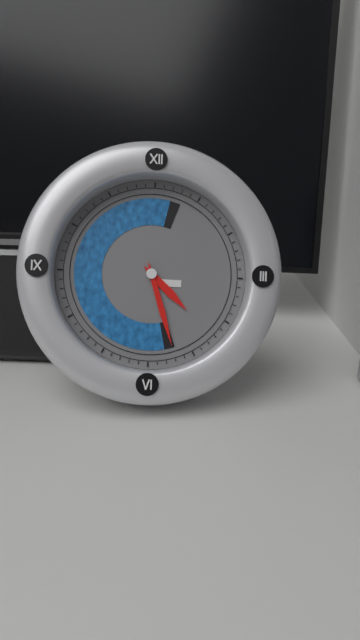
4,27
